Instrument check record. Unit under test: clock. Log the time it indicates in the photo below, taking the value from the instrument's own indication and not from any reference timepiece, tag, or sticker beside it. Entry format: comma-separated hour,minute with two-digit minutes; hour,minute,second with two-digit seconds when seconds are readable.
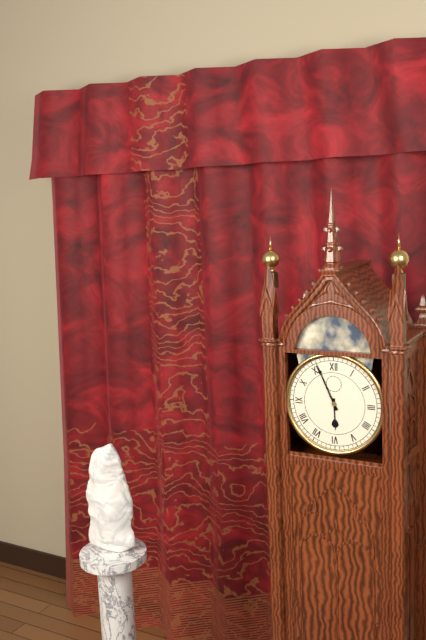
5,56
